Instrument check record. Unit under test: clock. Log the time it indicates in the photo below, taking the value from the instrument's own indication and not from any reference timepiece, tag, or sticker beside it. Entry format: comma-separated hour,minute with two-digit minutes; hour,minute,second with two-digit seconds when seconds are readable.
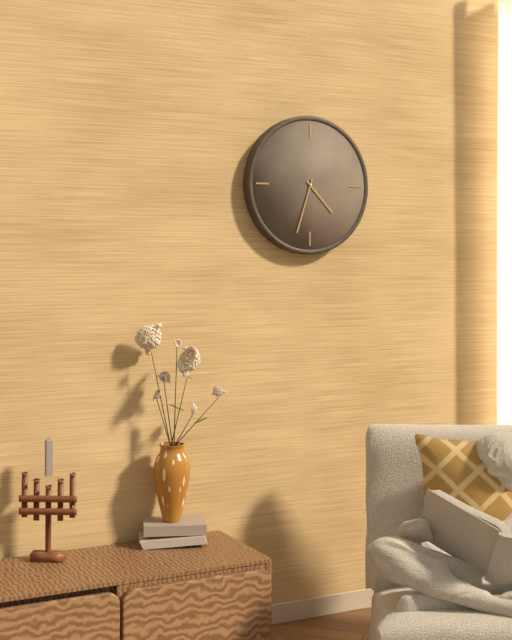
4,33
